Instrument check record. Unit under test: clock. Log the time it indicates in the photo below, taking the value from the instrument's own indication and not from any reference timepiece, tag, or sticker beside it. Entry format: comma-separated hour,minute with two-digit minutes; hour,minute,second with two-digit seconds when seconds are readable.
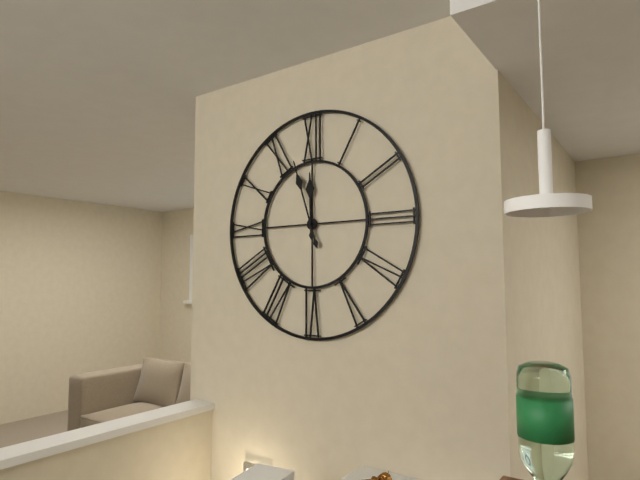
11,57
